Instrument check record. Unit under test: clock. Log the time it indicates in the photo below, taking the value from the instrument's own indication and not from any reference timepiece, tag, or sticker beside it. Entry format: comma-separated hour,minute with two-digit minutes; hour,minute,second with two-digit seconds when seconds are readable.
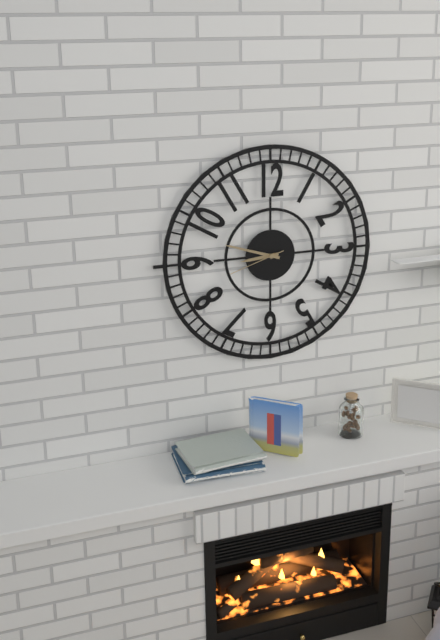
8,48,42
